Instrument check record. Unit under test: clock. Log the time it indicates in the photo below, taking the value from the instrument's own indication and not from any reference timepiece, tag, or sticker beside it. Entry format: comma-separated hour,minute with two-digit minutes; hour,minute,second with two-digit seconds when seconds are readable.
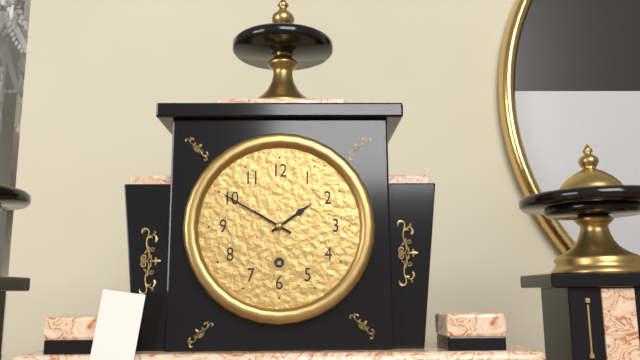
1,50
